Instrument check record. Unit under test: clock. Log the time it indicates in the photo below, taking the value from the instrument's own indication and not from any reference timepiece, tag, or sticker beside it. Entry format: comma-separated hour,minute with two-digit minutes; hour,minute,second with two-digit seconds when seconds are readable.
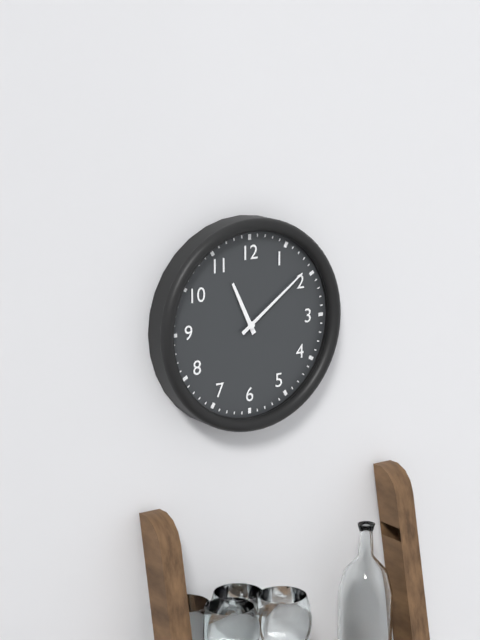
11,09
